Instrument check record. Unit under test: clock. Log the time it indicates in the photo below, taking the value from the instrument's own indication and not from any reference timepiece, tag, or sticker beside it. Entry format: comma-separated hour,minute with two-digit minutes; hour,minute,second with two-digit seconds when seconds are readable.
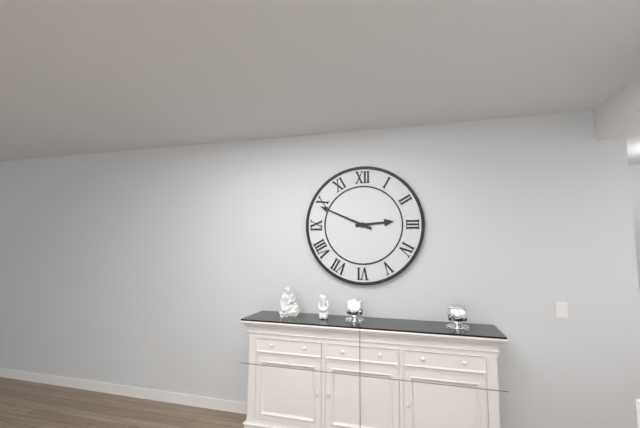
2,49
